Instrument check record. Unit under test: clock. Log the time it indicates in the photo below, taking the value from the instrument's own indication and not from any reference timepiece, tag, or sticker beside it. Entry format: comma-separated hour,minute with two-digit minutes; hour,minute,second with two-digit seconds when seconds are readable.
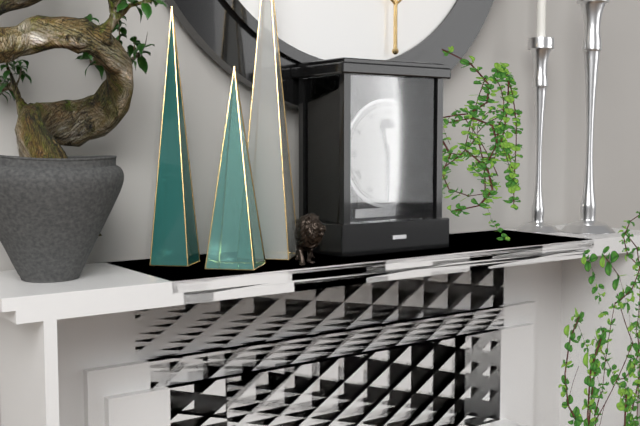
11,30
